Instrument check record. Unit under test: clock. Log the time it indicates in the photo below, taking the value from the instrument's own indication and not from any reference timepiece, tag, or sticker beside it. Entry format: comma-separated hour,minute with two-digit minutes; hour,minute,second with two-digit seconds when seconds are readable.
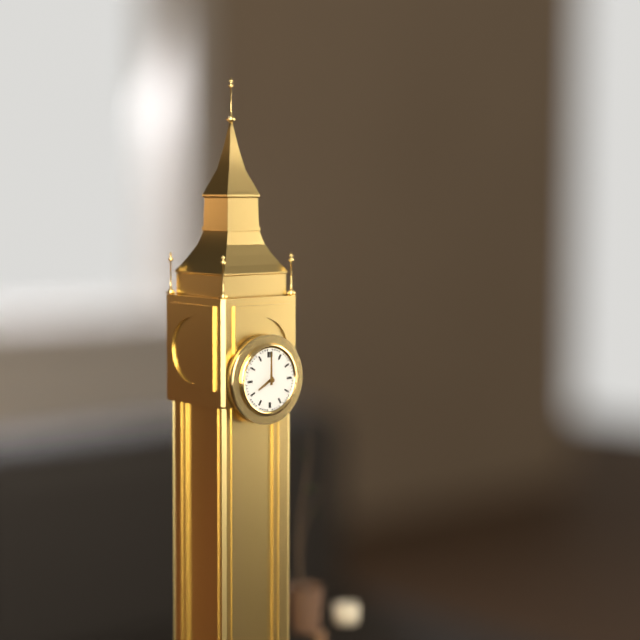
8,00
